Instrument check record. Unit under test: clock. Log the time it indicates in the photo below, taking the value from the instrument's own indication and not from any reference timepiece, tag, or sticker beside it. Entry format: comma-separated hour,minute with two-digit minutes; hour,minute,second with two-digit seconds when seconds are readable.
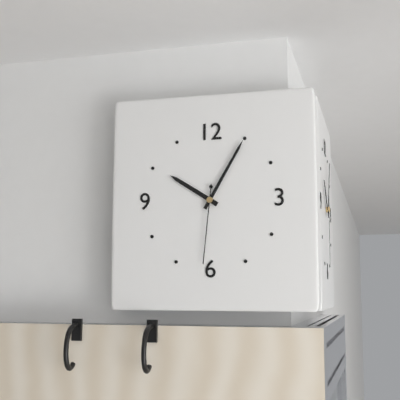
10,05,31
